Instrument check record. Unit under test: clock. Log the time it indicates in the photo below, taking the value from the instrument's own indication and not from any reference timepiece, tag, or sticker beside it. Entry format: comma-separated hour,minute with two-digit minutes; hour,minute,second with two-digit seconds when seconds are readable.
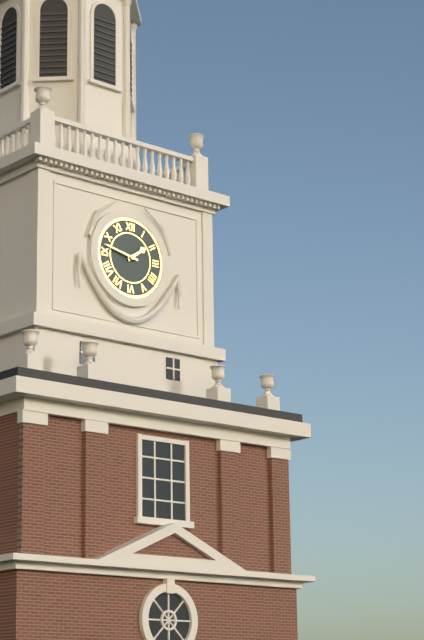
1,47
